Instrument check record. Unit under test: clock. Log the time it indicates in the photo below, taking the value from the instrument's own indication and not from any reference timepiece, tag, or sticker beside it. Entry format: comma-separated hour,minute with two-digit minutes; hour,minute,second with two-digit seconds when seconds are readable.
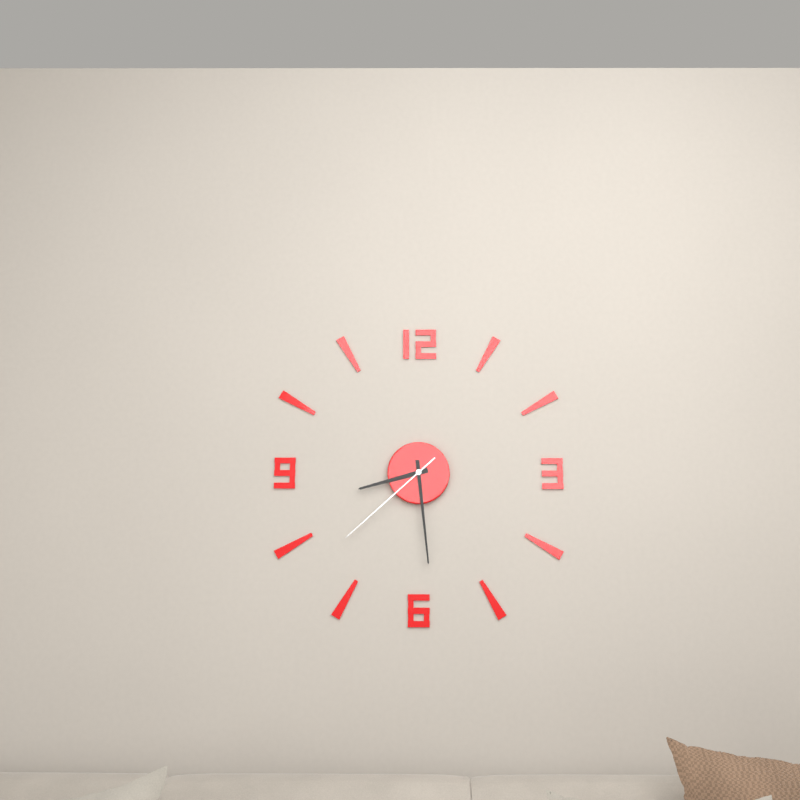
8,29,38
